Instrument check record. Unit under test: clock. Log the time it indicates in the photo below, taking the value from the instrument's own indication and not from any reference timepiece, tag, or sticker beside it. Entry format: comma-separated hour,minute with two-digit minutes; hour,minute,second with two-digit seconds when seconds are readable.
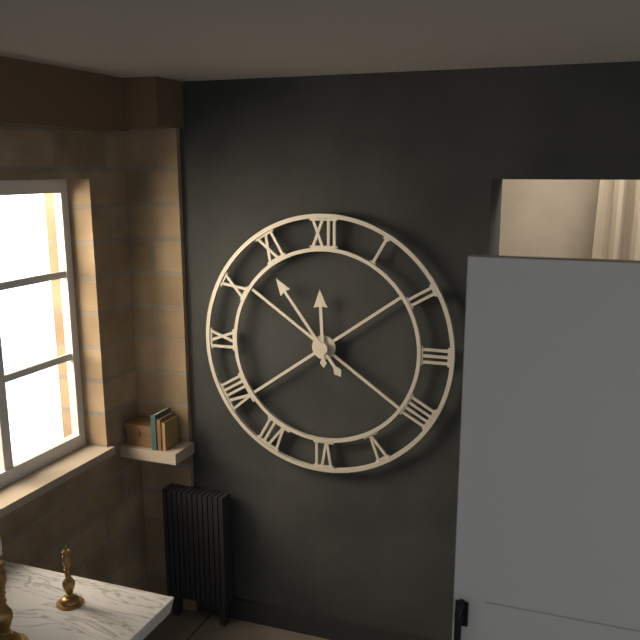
11,54
